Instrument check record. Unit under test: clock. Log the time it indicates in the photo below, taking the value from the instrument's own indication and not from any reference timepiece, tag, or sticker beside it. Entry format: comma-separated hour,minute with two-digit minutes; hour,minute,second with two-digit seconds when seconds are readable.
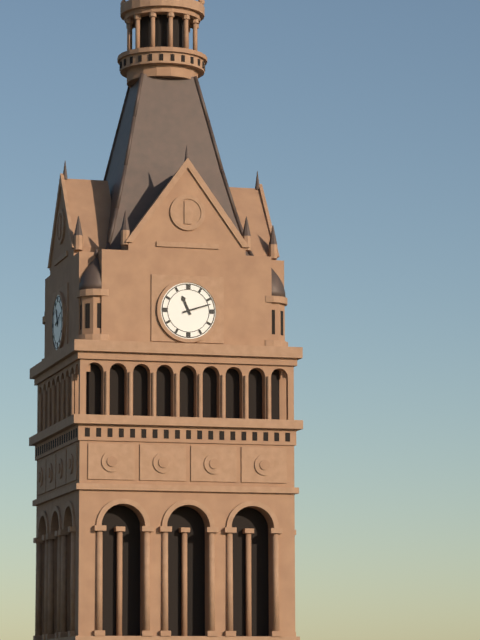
11,12
